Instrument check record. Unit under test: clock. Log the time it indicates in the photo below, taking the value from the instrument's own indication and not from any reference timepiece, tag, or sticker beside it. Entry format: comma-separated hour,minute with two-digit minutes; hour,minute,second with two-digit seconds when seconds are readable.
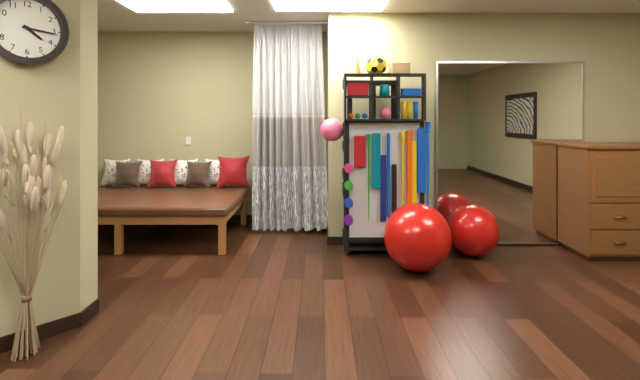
4,16
